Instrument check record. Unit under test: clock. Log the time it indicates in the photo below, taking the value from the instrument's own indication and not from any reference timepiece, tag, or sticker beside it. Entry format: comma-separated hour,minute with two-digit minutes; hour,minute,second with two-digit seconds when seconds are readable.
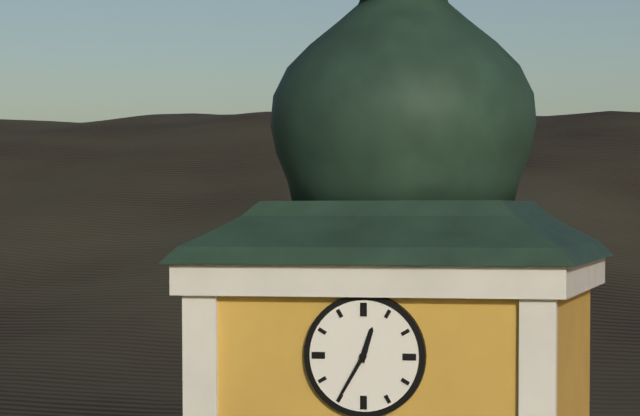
12,35
